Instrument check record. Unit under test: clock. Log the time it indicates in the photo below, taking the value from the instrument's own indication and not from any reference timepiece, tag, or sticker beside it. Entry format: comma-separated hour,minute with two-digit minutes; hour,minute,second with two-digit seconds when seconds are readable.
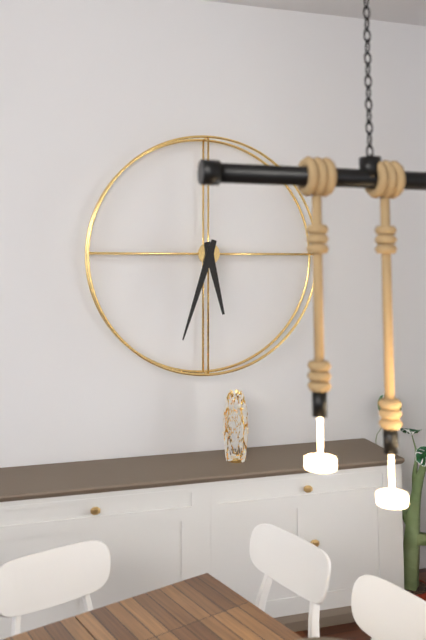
5,33
